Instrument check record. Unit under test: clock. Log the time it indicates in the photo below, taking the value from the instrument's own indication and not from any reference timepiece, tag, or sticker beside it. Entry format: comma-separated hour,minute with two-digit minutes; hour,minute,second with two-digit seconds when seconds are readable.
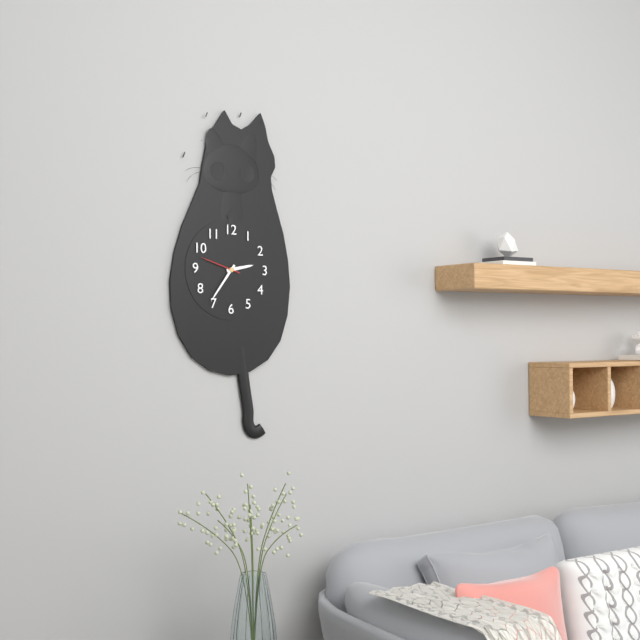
2,36
